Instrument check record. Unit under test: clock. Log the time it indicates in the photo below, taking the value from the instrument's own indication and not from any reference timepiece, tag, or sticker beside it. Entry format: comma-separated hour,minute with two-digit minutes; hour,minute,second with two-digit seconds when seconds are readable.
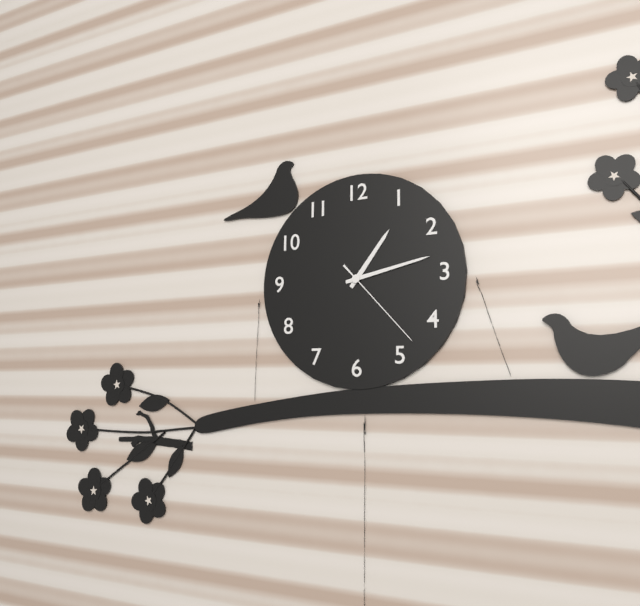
1,13,23
